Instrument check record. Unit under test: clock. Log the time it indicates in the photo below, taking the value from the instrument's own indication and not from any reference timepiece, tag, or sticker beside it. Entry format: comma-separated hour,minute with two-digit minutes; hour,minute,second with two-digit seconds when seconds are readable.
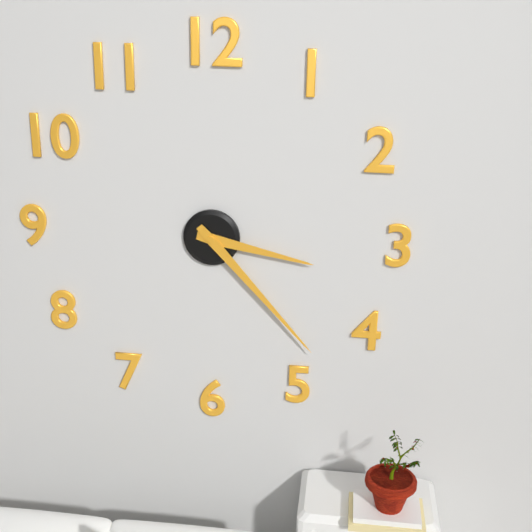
3,23
